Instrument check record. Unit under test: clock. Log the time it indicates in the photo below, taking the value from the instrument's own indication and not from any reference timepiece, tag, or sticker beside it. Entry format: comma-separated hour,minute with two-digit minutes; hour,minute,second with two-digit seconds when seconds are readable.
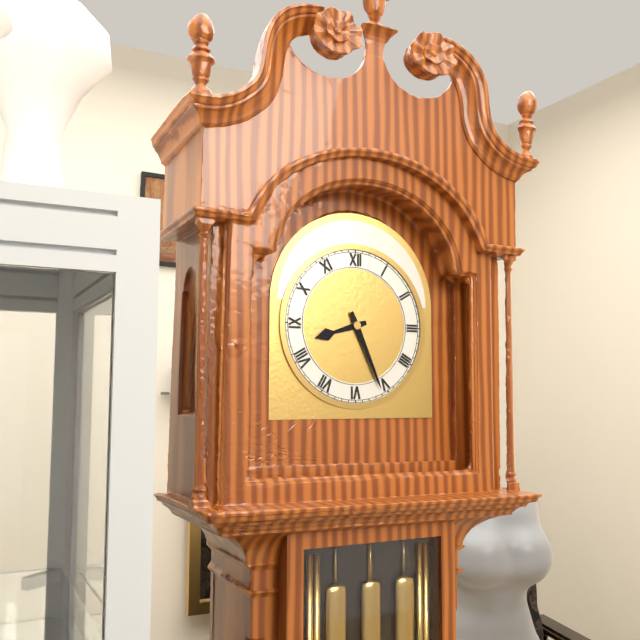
8,26
